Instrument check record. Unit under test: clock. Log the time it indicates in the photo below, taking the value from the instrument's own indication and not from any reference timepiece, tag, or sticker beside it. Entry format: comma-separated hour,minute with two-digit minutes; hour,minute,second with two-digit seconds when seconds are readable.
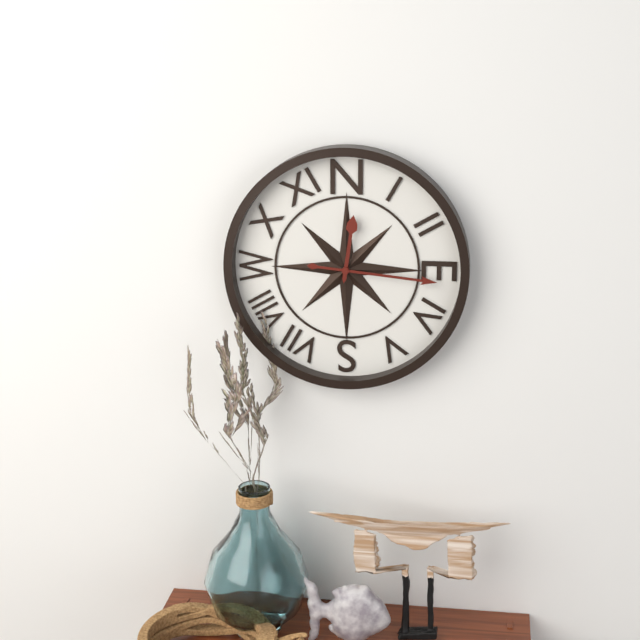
12,16
